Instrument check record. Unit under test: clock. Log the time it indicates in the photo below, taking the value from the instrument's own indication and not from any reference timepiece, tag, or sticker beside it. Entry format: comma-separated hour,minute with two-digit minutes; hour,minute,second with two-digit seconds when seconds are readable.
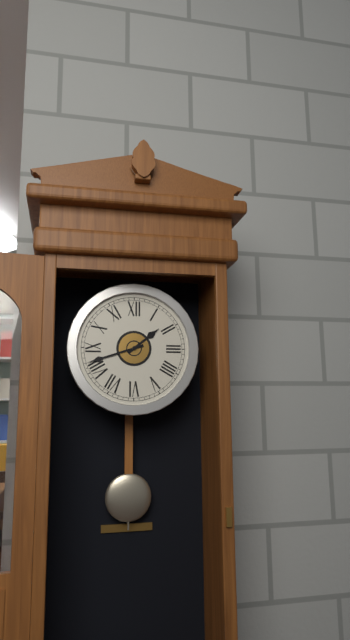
1,42
